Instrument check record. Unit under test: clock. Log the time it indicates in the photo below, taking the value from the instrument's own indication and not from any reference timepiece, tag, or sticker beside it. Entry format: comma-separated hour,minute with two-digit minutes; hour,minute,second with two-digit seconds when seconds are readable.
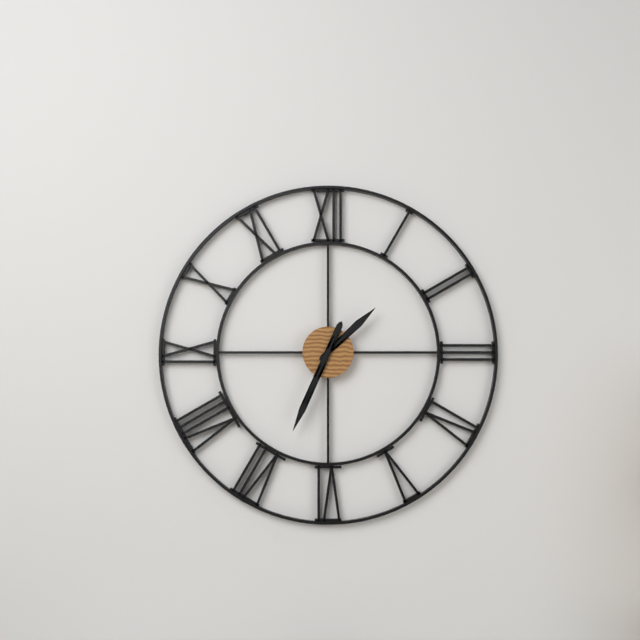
1,34
